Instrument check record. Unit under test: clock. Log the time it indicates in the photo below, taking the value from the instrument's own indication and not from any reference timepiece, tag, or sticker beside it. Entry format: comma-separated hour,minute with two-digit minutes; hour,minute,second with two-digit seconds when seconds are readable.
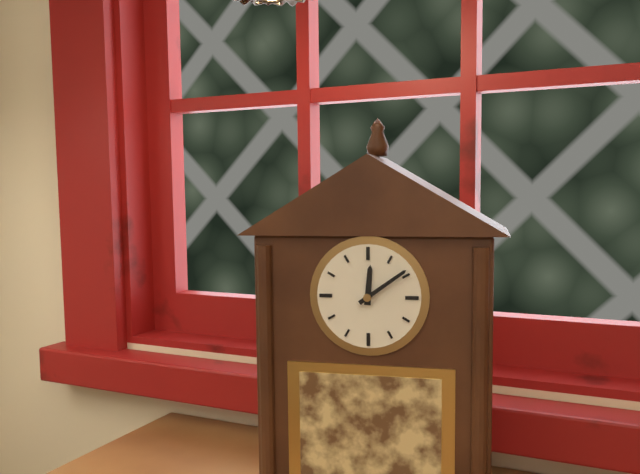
12,09
